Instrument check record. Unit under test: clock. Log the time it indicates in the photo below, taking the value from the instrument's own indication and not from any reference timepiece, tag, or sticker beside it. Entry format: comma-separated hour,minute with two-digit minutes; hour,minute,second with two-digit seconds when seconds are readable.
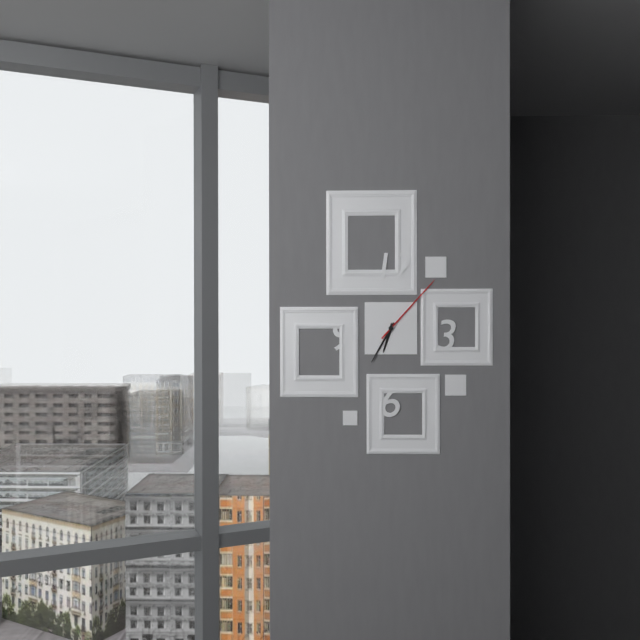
6,35,07
